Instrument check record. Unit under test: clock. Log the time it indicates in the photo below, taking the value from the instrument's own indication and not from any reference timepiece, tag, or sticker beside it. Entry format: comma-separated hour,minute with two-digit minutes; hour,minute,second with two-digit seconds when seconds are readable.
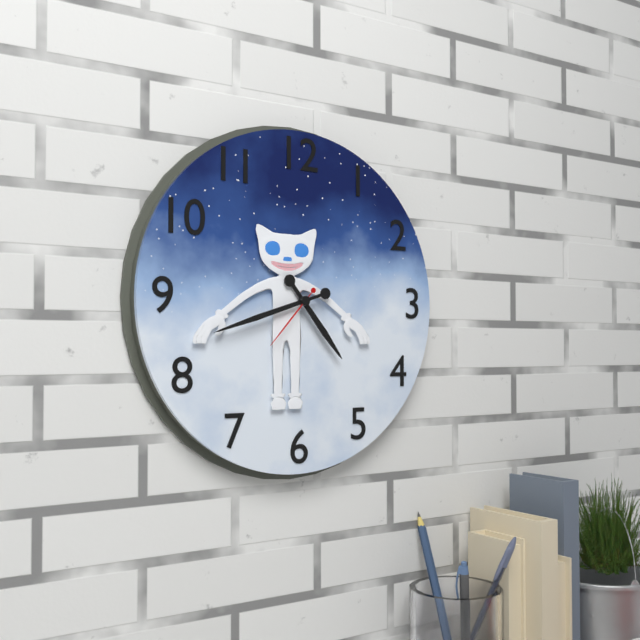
4,42,37
